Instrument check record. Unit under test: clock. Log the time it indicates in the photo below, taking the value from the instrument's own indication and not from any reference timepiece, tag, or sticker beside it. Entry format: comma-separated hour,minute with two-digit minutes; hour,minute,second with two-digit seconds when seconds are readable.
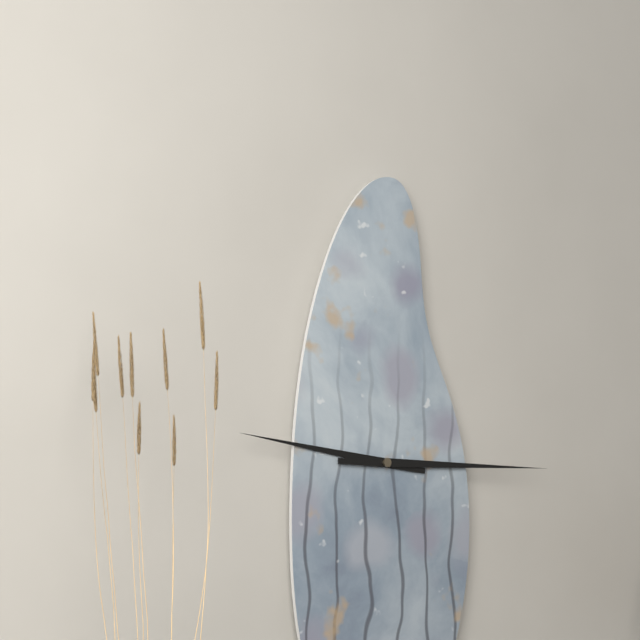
9,15
